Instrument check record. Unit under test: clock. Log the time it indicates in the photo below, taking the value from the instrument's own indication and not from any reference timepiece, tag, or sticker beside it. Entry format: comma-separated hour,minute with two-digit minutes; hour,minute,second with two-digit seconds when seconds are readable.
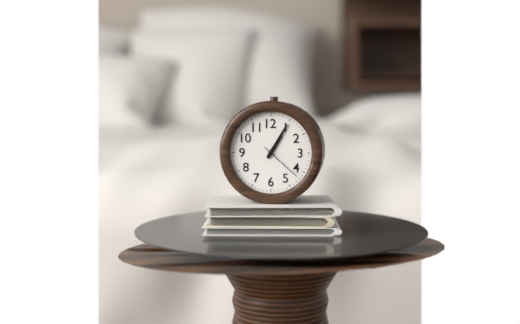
1,05
